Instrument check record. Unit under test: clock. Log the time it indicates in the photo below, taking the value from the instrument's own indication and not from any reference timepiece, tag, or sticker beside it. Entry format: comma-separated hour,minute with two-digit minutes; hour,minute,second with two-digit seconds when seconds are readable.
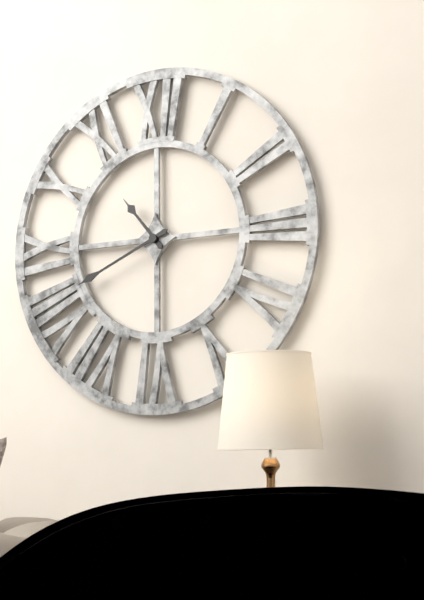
10,41
